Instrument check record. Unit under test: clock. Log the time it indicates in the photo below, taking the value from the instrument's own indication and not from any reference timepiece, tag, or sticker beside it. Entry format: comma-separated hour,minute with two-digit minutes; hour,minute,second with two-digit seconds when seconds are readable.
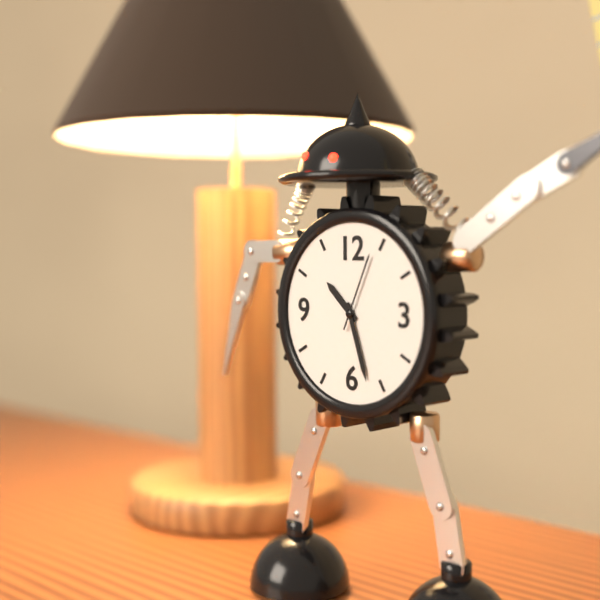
10,27,04
